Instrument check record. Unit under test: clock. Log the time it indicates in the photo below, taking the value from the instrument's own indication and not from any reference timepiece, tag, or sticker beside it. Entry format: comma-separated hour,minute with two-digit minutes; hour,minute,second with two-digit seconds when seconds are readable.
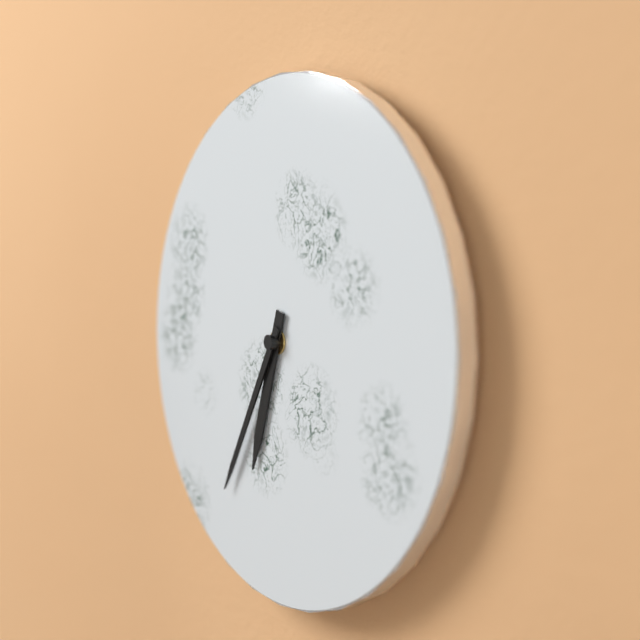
6,35
